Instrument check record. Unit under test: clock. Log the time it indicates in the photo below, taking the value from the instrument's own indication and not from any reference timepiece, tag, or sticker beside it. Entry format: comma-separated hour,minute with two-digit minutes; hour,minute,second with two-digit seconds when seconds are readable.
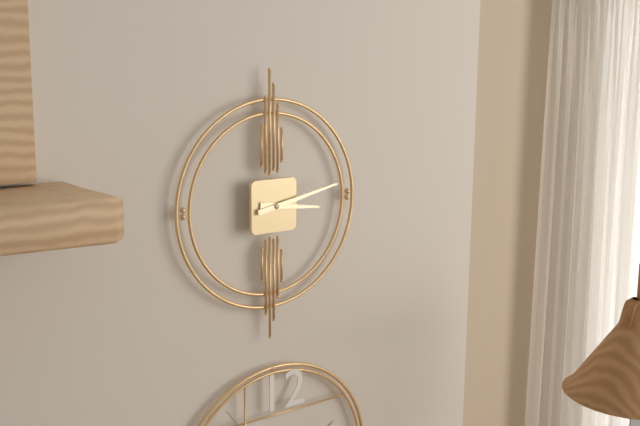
3,13
